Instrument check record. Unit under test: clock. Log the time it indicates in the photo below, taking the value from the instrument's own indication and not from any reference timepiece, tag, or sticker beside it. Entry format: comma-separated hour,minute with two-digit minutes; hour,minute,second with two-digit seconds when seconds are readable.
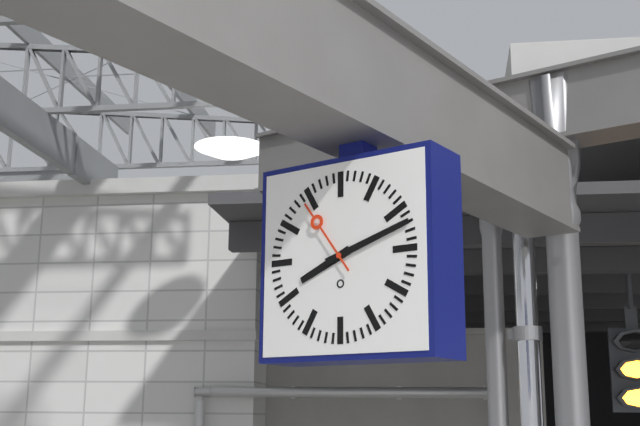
8,12,54
